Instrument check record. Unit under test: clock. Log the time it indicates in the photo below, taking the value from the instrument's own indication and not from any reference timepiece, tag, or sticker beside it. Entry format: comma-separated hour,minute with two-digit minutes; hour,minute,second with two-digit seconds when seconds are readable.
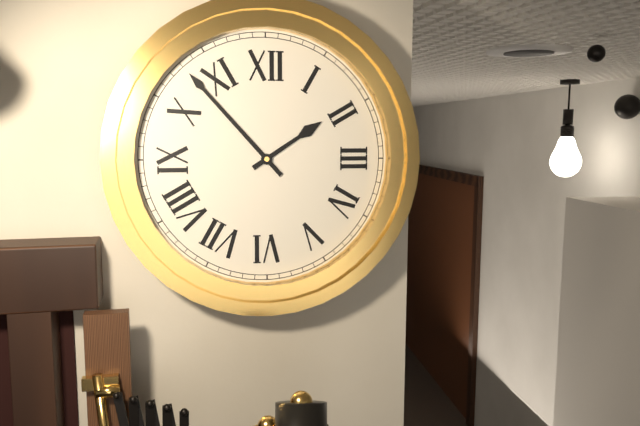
1,53
